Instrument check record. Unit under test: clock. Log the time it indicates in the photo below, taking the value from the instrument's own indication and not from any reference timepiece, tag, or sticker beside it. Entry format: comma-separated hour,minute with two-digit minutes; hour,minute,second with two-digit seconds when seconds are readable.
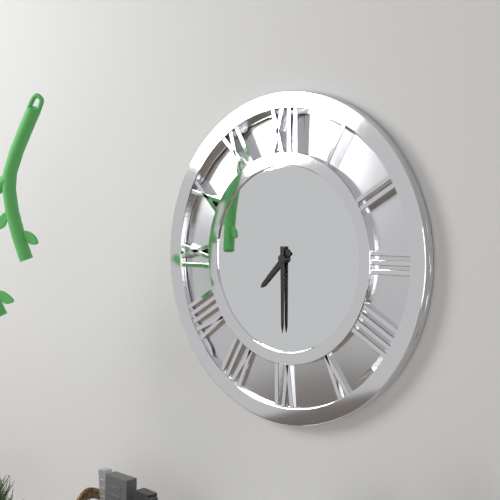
7,30
